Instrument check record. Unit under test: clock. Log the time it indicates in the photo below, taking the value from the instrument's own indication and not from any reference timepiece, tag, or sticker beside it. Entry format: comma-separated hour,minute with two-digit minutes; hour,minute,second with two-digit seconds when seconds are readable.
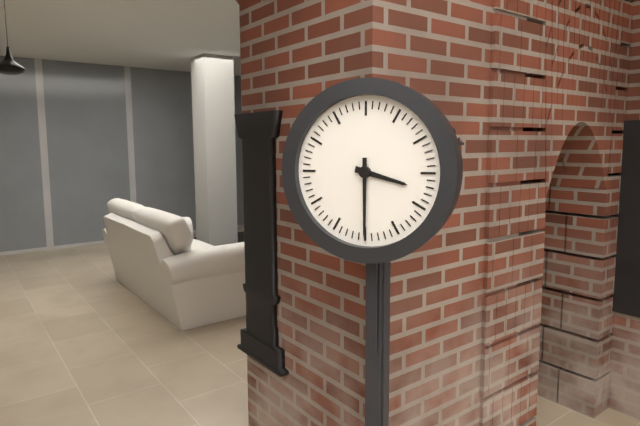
3,30
